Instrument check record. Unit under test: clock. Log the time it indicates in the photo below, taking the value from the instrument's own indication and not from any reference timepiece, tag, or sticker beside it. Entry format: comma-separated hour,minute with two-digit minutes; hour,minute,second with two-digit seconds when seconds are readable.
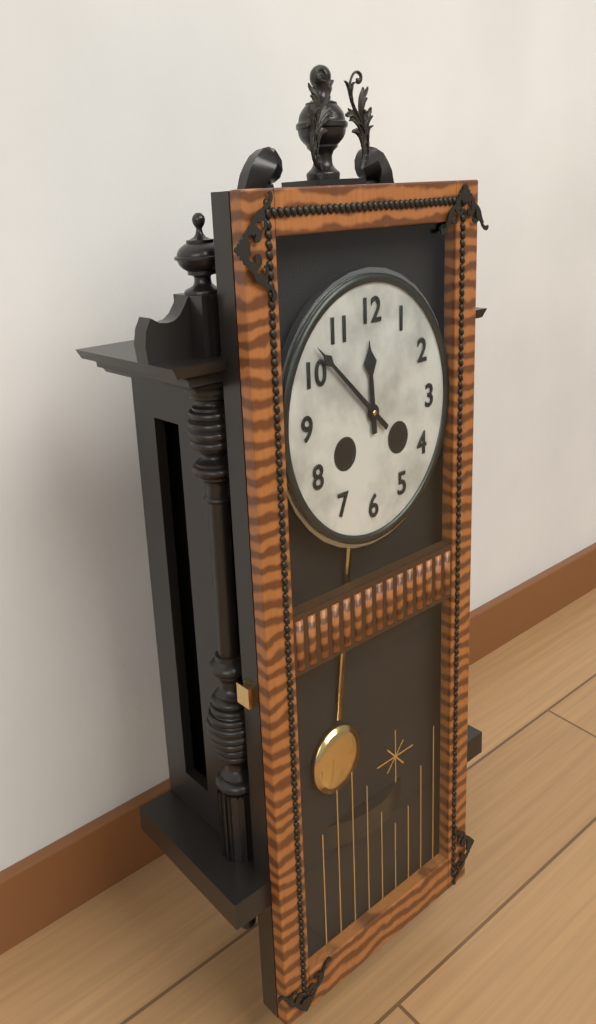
11,52
